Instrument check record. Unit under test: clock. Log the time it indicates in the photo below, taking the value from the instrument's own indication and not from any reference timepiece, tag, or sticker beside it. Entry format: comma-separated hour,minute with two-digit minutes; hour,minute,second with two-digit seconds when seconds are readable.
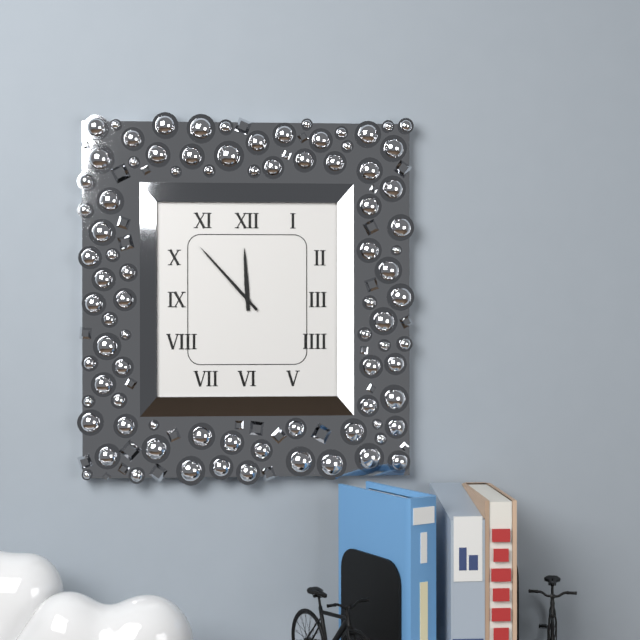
11,53
